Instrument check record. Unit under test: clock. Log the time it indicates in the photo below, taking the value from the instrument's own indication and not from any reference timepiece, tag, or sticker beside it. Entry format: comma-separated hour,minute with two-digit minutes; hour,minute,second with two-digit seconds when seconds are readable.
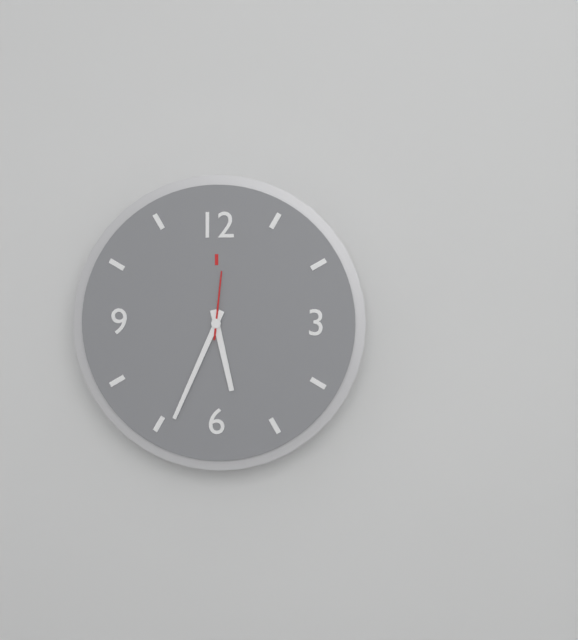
5,34,01
